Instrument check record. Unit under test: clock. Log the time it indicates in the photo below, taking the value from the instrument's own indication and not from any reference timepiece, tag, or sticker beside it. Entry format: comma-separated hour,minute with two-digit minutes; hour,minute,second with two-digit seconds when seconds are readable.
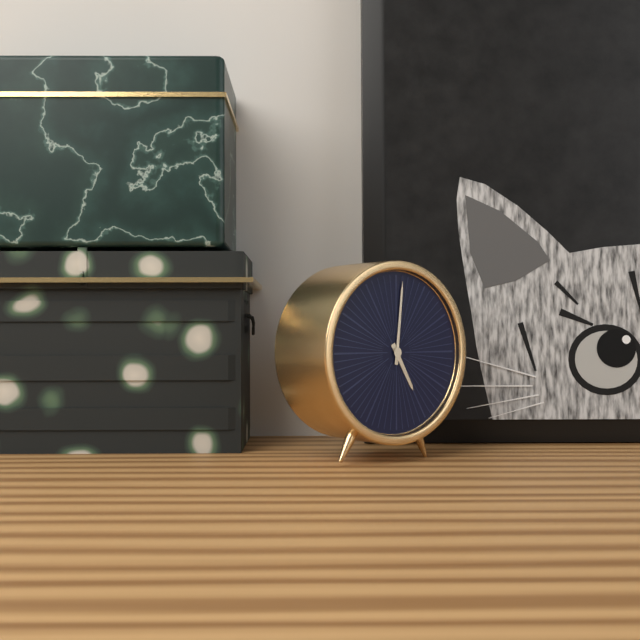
5,01
